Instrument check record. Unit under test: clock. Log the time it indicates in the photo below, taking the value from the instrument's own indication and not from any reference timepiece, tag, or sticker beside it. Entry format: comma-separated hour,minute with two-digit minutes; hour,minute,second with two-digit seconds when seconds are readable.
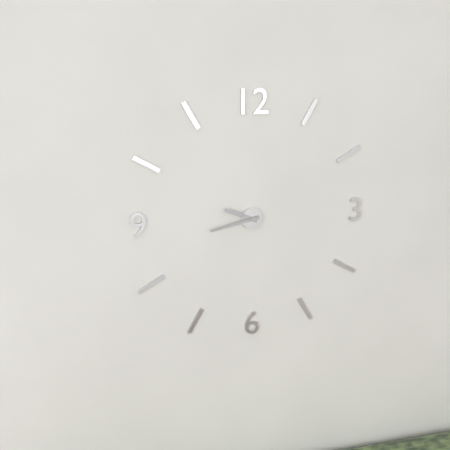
9,43
